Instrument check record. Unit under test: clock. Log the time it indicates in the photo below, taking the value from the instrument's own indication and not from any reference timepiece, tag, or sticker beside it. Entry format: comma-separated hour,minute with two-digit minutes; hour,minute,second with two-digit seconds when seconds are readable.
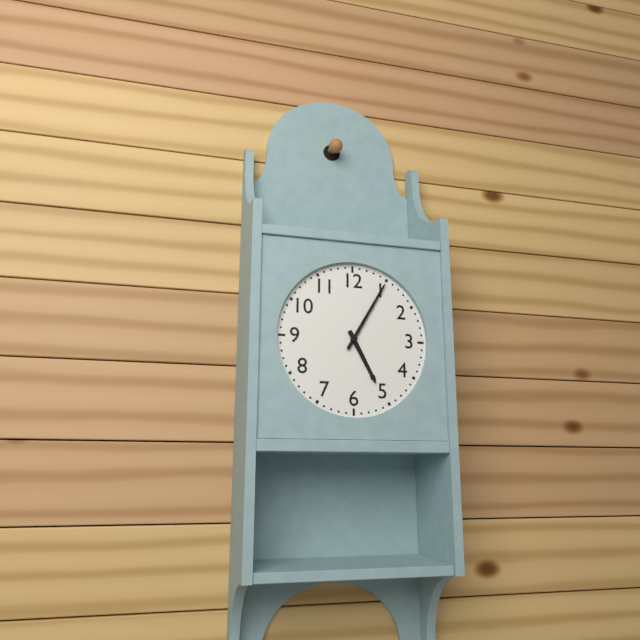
5,05
